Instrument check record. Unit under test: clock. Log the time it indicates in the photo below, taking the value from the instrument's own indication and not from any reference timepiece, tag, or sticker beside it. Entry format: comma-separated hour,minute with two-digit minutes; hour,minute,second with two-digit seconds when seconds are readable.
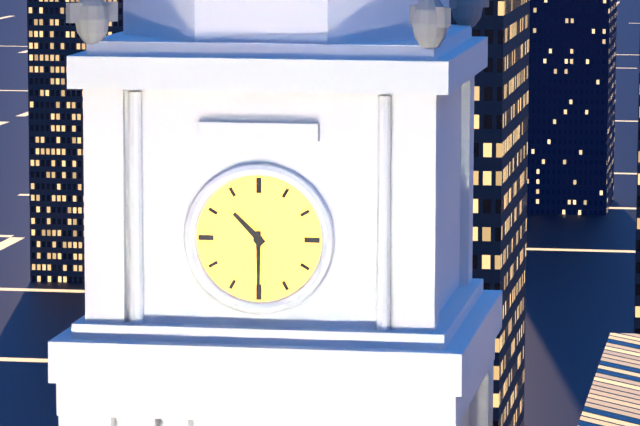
10,30
